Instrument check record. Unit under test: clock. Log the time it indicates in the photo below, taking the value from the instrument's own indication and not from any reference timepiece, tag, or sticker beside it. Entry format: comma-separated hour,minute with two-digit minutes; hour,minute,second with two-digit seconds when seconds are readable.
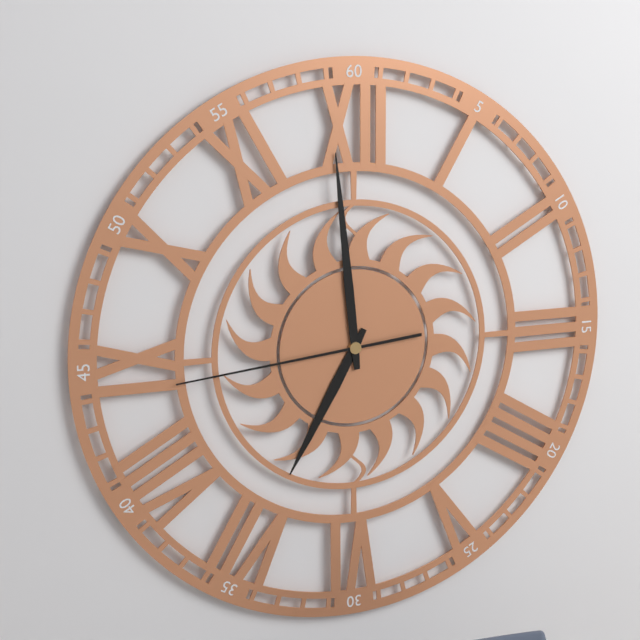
6,59,44
